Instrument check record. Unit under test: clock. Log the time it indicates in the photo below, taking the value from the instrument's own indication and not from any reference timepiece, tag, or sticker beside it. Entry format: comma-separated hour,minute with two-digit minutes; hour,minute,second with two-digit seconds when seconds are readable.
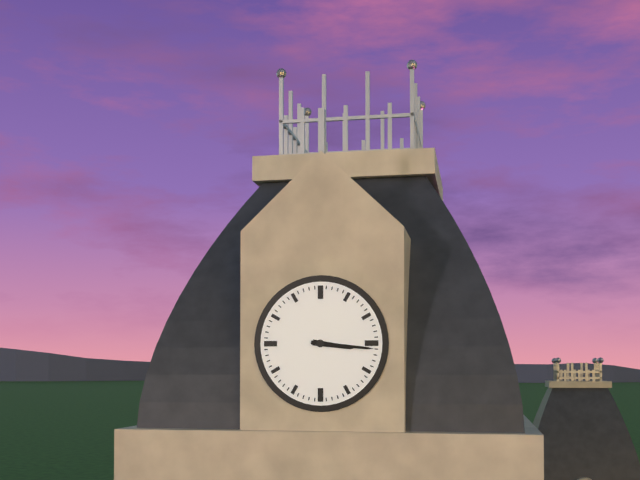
3,16
